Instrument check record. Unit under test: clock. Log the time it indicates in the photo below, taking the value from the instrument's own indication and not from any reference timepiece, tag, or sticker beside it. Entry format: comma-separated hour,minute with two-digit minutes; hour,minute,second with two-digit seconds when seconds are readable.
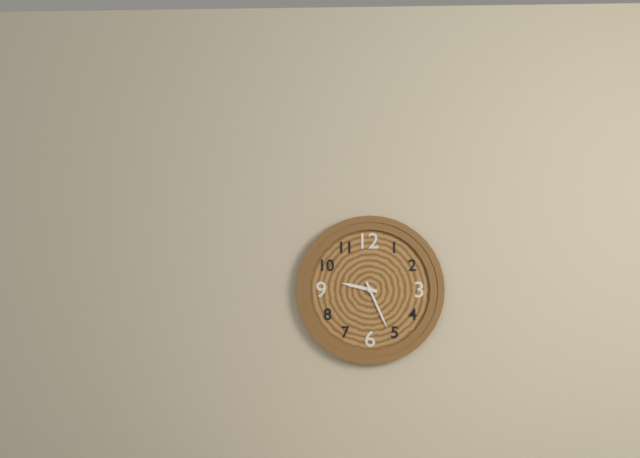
9,26
